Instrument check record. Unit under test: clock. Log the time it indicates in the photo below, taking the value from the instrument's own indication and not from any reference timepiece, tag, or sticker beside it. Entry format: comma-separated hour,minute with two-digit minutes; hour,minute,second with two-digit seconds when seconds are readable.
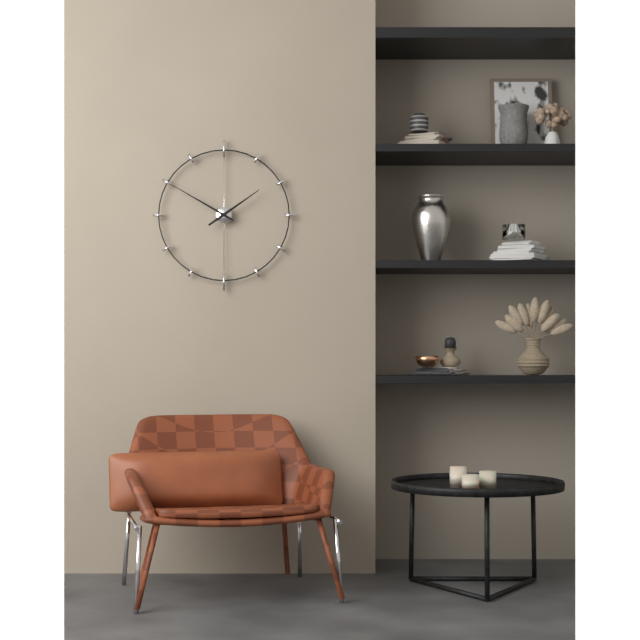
1,50
